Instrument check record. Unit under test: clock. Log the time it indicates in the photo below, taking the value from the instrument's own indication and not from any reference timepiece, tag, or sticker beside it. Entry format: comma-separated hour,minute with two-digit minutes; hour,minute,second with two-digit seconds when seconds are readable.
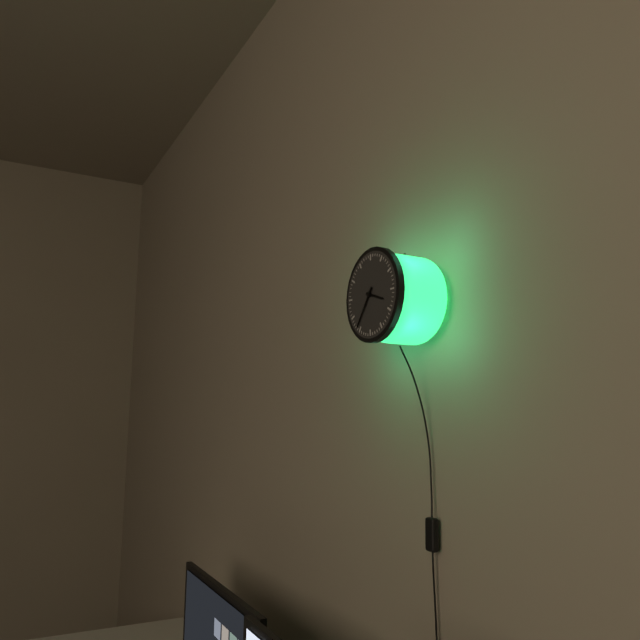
3,36
